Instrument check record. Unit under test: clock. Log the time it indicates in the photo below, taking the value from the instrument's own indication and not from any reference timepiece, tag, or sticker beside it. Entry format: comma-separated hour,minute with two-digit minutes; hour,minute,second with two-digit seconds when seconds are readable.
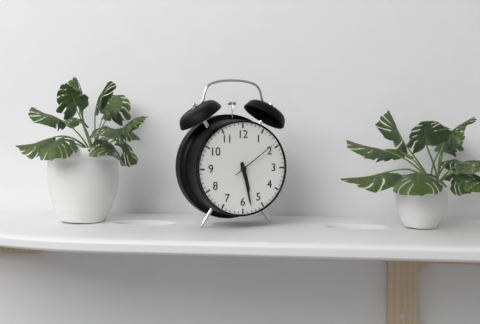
5,28,09
